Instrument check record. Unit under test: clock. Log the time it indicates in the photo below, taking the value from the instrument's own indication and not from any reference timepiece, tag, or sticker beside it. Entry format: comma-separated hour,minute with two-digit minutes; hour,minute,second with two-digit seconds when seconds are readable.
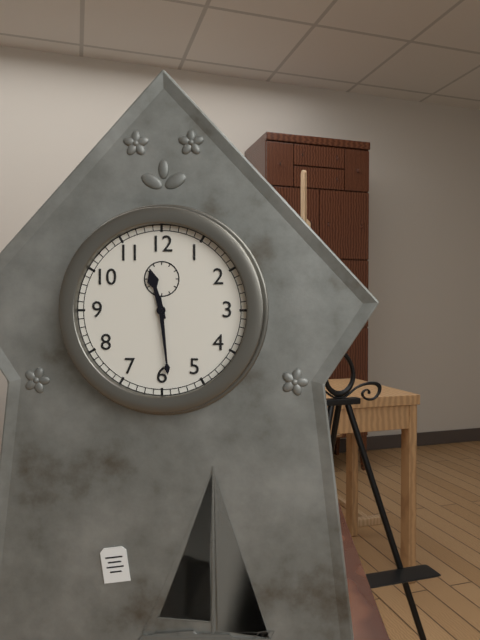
11,29
